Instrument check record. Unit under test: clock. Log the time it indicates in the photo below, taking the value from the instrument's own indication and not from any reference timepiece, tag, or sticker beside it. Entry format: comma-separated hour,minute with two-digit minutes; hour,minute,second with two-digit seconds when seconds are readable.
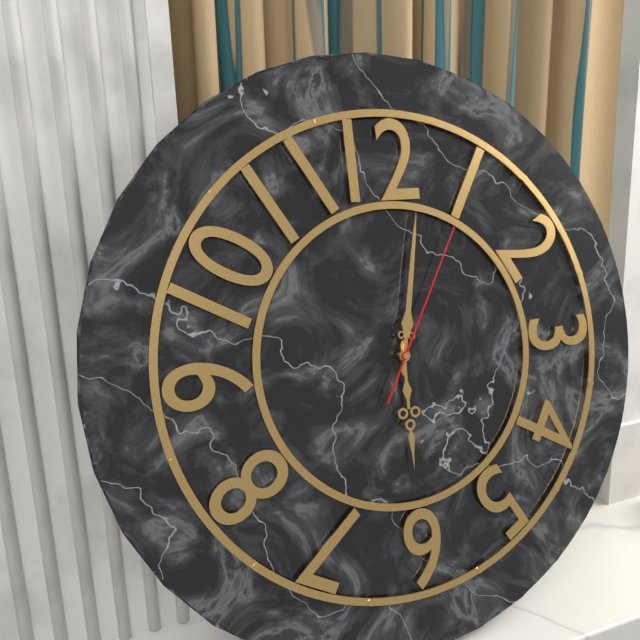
6,02,05
